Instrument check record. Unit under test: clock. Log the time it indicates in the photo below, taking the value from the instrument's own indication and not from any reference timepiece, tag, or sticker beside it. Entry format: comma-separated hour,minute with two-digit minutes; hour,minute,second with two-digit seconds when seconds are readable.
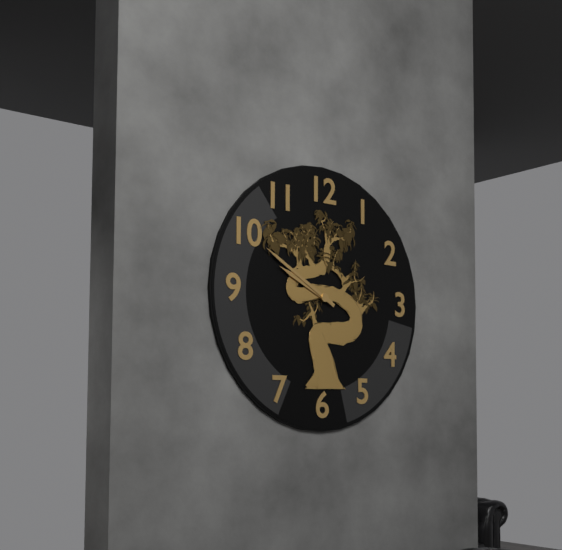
9,50
